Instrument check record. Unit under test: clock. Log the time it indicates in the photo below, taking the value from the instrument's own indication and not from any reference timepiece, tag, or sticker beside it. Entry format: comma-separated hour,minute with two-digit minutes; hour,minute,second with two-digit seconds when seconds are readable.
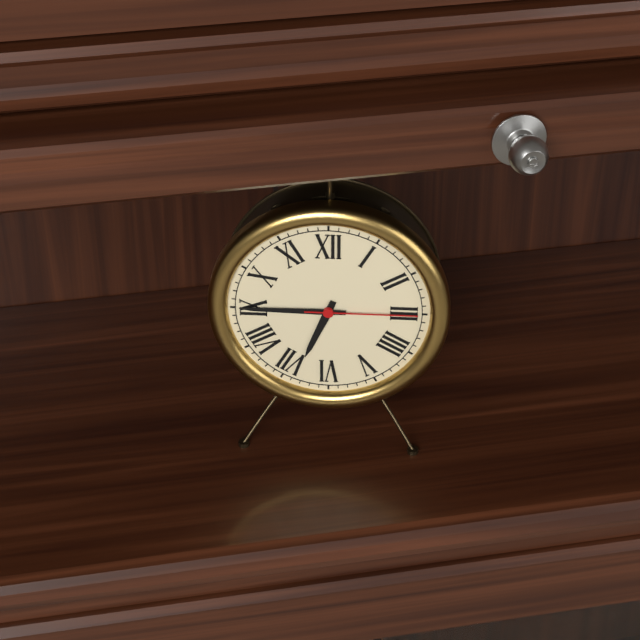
6,45,15
